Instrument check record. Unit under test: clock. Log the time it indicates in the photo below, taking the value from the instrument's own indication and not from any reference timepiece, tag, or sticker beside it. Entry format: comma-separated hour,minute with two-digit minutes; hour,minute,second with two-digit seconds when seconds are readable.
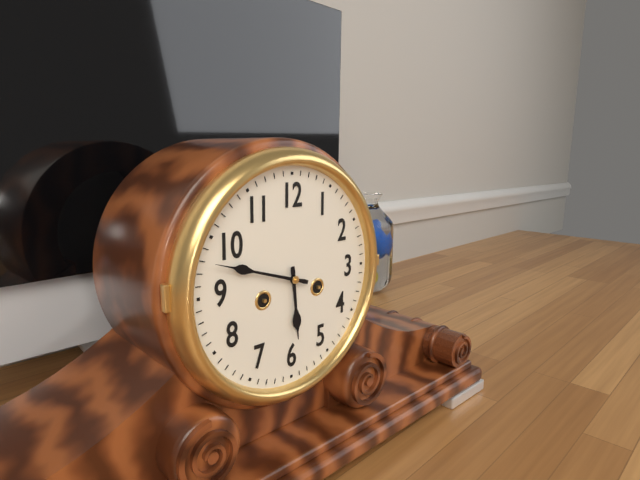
5,48
